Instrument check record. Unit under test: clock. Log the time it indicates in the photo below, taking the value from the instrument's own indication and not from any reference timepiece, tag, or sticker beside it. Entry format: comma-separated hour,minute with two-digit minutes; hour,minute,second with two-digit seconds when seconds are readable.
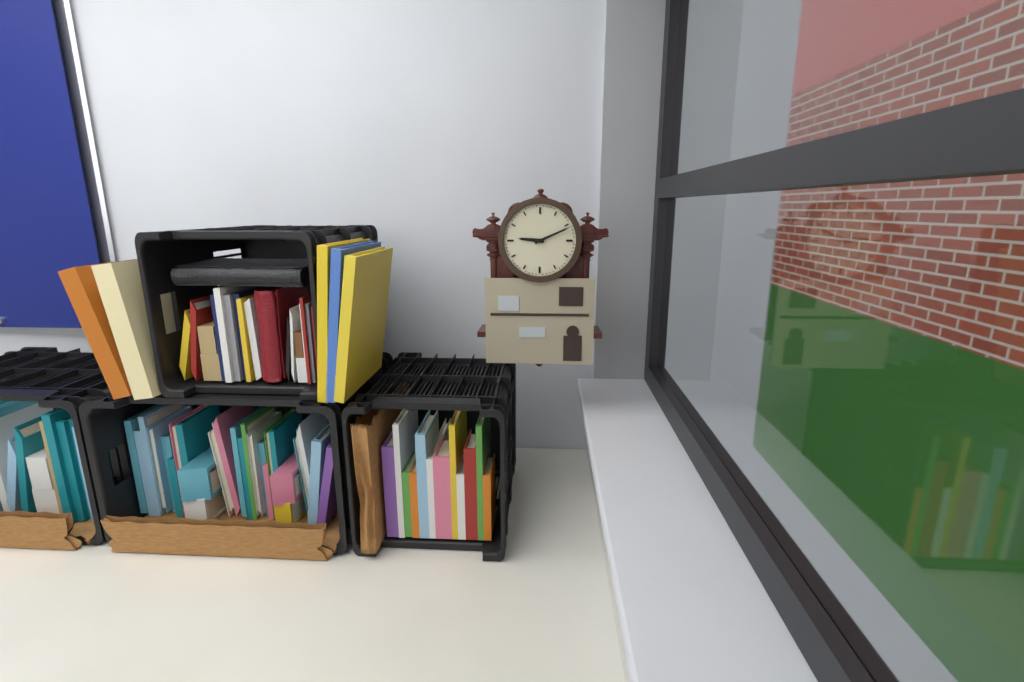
9,11
